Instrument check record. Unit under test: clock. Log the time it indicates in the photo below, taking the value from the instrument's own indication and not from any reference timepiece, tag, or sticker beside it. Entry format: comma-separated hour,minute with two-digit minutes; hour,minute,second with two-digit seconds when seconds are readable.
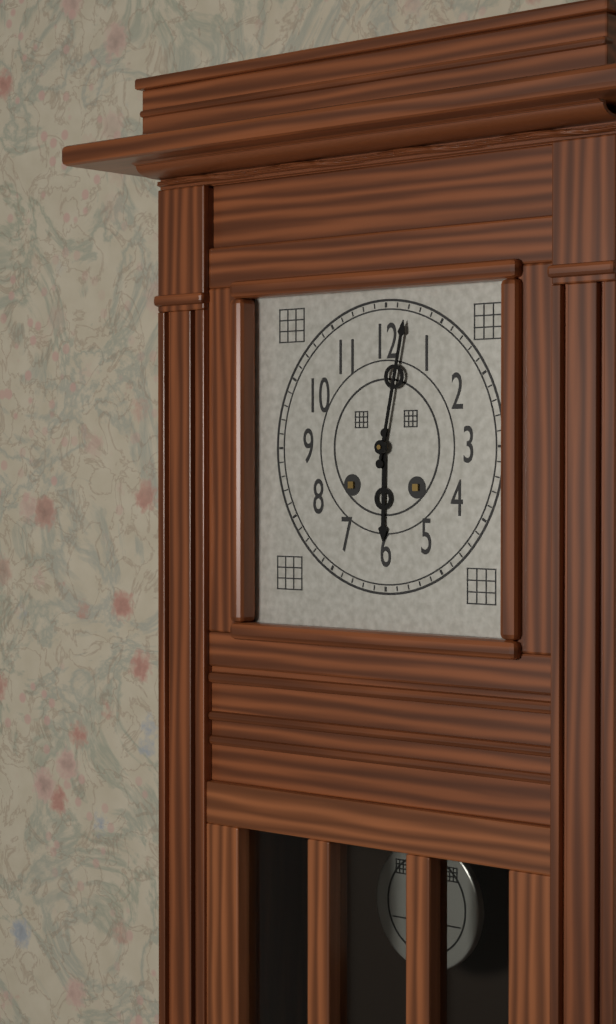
6,02
